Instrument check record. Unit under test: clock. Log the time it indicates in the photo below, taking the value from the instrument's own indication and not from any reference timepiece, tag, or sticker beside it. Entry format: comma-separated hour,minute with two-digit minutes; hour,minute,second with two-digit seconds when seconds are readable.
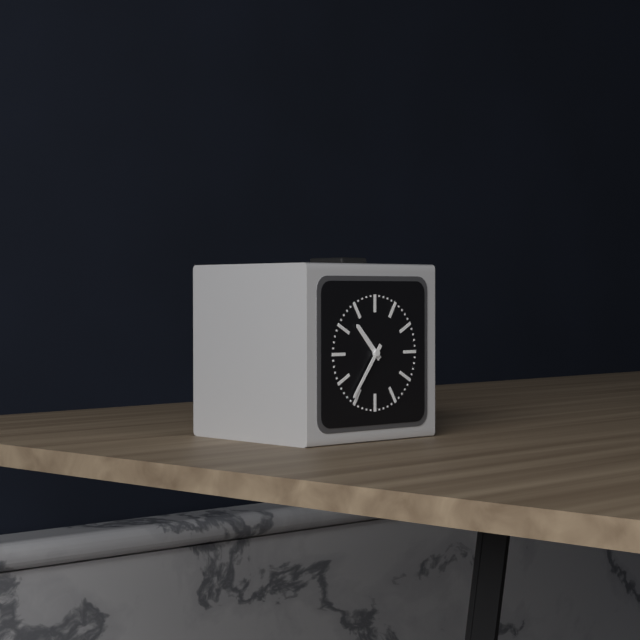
10,36
